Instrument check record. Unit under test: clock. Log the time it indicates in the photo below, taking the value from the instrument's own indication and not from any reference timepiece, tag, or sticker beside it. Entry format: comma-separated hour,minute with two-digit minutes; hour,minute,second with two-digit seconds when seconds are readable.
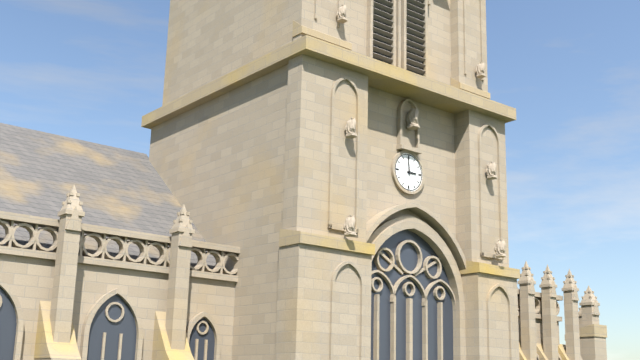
2,59
